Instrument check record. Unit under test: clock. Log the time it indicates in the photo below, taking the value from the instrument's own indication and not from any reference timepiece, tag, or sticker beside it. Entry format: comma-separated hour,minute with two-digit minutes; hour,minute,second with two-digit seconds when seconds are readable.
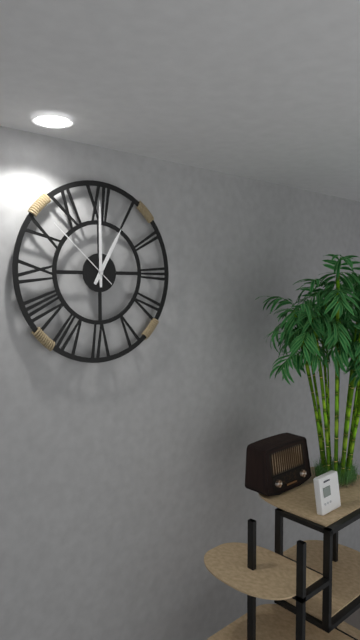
1,00,52
